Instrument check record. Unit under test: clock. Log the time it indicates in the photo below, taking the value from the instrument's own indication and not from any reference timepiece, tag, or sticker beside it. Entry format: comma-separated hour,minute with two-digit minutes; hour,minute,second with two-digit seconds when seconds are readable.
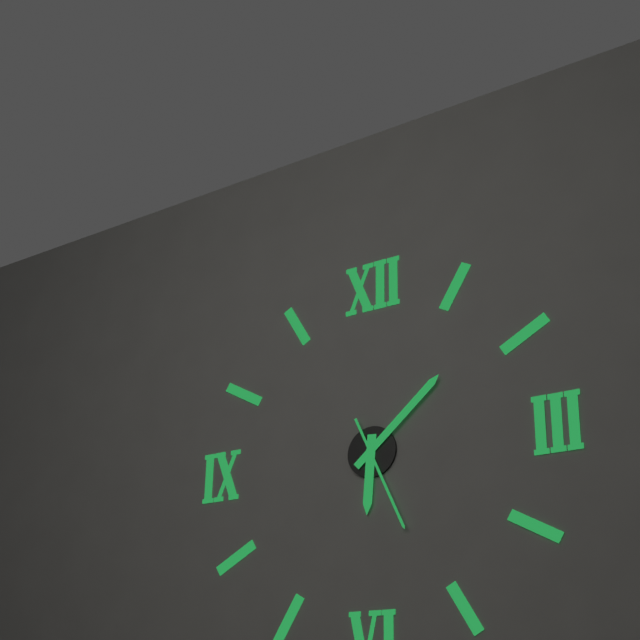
6,08,26
